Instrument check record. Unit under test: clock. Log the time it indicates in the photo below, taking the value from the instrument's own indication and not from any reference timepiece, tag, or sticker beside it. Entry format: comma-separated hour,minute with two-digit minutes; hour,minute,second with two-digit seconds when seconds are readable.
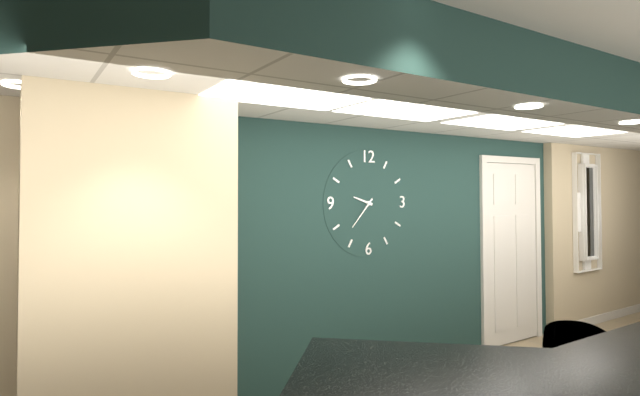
9,37
